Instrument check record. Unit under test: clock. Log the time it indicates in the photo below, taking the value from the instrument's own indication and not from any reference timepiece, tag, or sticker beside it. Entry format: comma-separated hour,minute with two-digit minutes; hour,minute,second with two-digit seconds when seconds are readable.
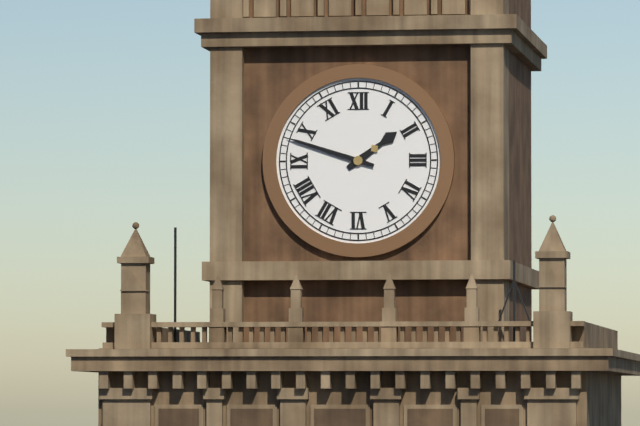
1,48
